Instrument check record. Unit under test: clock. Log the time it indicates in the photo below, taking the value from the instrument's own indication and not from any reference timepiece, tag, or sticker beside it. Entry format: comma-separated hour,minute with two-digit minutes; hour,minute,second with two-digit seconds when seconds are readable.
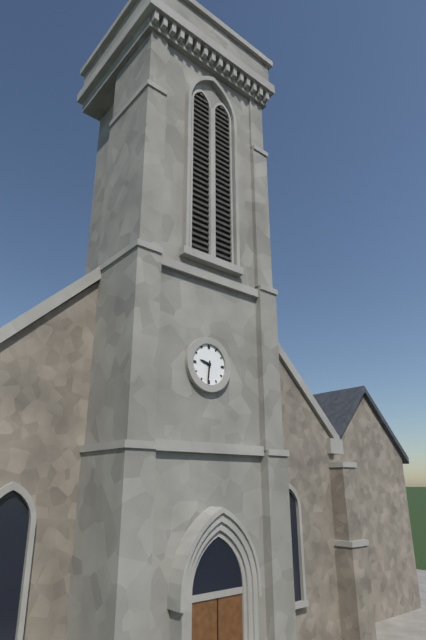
9,31
